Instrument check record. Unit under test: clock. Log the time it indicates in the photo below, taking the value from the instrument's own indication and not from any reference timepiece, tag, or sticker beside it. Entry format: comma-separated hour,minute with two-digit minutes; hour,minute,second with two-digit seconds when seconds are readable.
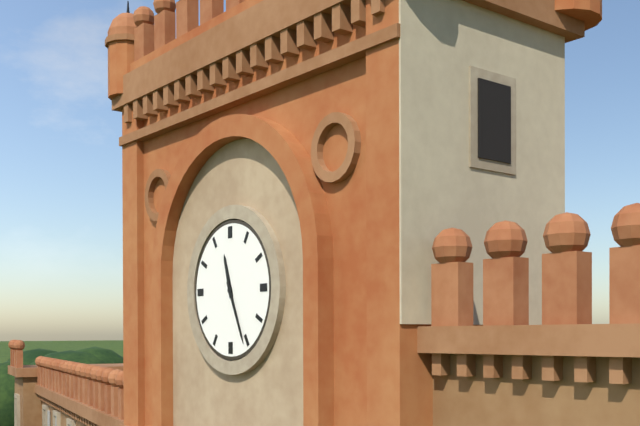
11,26
